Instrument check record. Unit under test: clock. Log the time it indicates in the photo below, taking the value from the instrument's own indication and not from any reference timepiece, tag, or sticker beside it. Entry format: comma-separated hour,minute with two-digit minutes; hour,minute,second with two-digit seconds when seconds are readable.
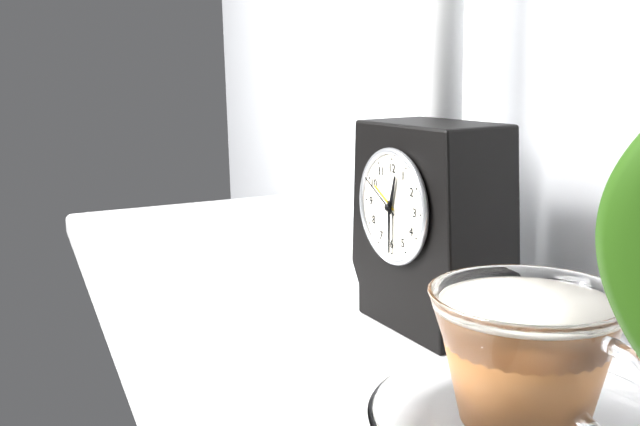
12,30
